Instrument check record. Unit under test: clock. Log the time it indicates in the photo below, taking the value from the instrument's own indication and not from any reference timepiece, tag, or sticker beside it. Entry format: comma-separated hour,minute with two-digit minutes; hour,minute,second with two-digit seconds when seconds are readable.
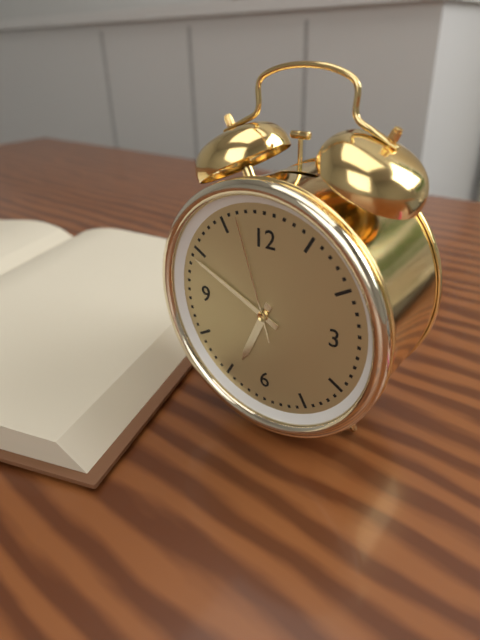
6,49,57
